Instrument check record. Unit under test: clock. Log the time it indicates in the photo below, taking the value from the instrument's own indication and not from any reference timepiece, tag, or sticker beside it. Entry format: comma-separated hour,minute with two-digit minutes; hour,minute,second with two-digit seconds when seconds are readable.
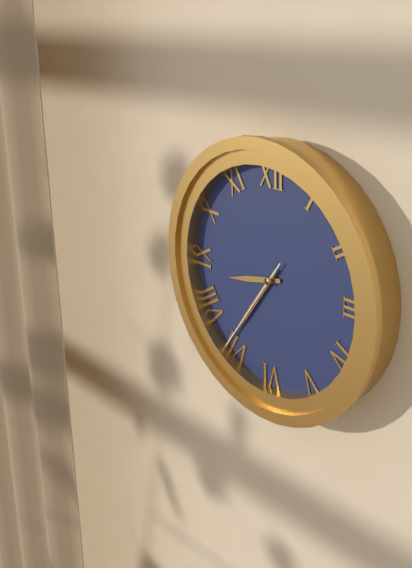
8,36,36
